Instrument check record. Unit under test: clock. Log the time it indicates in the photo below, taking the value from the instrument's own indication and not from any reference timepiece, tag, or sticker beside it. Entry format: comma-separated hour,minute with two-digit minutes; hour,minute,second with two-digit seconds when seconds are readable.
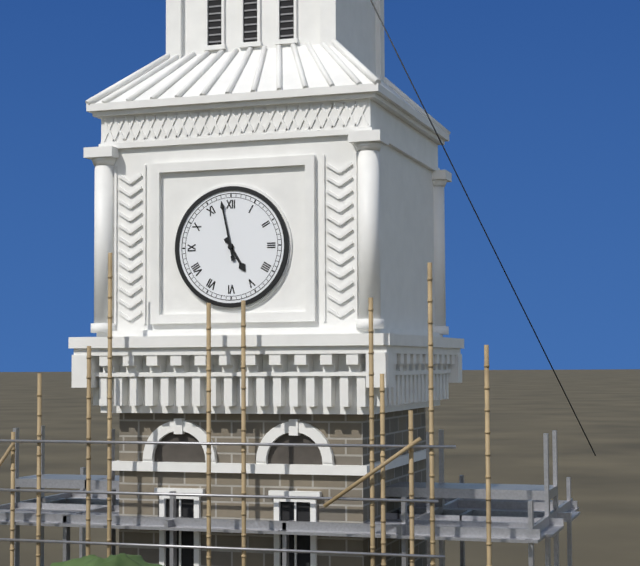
4,58
